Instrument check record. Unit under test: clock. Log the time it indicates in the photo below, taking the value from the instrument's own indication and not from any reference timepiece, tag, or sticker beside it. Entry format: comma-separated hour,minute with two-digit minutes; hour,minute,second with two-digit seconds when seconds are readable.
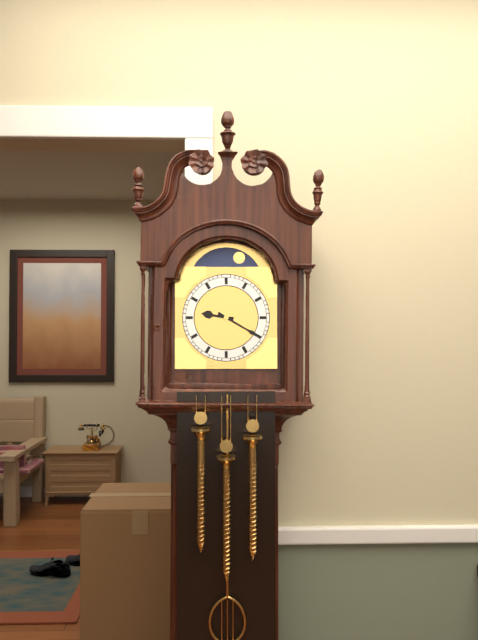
9,20
